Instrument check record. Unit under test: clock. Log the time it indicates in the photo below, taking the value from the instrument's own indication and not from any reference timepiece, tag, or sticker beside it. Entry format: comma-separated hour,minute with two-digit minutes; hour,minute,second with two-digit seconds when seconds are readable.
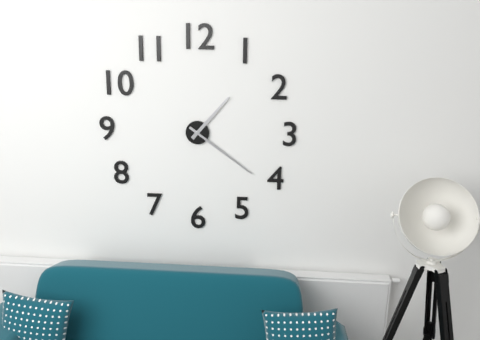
1,21
